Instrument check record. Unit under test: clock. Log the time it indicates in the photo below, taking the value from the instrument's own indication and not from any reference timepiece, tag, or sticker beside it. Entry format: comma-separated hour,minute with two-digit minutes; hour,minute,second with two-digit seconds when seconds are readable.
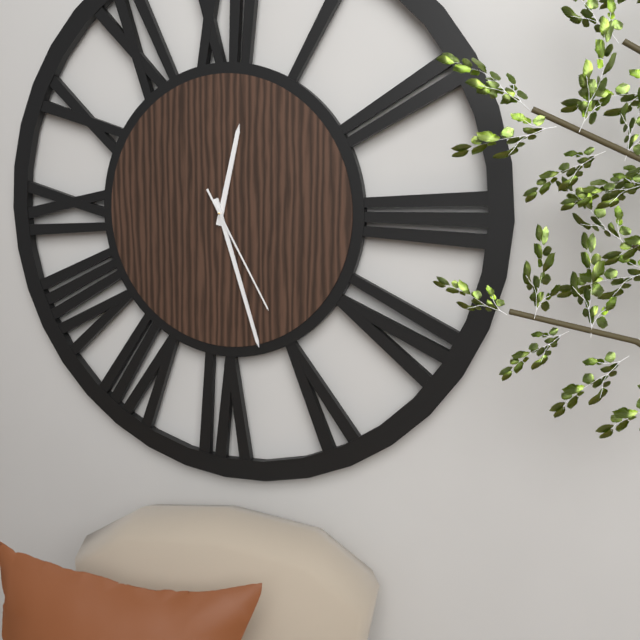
12,27,25
